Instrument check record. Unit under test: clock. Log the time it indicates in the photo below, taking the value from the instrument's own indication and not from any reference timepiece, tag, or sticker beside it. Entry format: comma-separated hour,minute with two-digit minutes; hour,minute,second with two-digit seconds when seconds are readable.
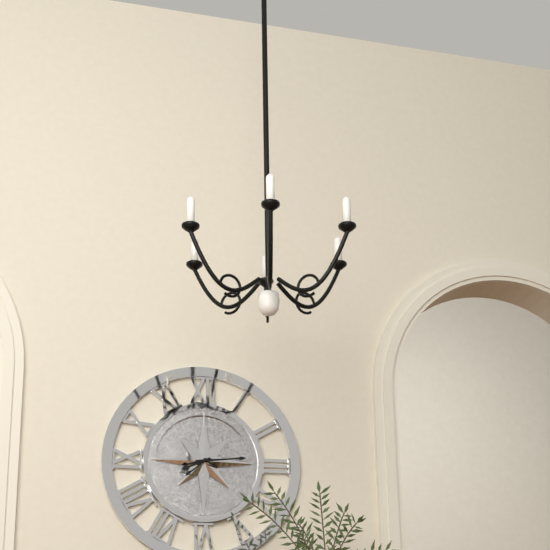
8,14
